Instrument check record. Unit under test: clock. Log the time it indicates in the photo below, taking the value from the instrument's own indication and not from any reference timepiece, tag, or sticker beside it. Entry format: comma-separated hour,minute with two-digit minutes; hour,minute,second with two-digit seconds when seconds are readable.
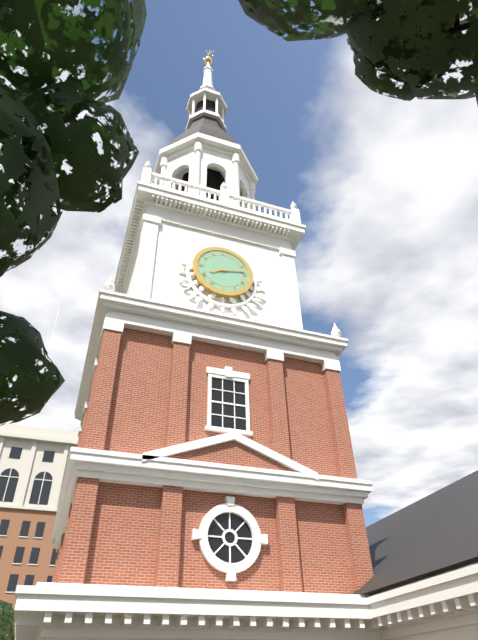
8,13
